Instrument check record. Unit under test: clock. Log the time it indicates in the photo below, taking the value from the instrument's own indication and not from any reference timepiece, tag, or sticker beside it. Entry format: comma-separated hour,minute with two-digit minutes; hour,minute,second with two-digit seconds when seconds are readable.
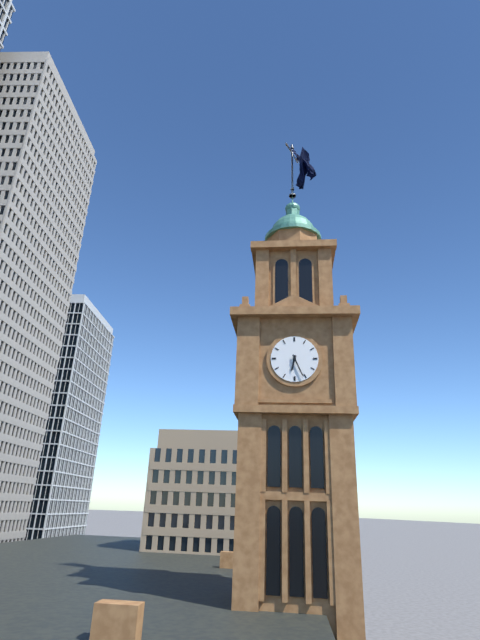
6,26
